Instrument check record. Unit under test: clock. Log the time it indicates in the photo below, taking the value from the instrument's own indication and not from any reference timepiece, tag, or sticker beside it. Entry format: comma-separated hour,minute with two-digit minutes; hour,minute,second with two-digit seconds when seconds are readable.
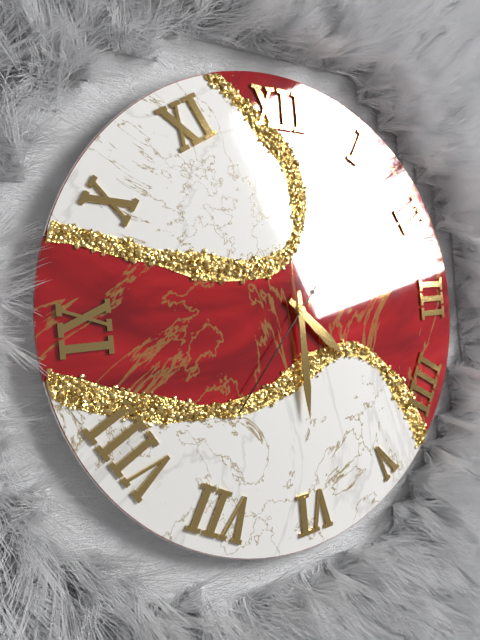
4,30,37
